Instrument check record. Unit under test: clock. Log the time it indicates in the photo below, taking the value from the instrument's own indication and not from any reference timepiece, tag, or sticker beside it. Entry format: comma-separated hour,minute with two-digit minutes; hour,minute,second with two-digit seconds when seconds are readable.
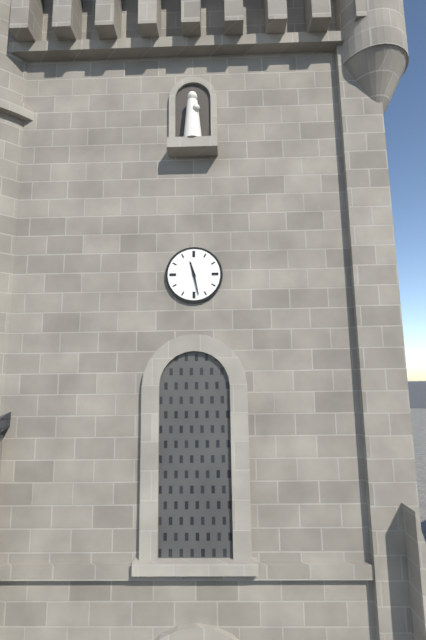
11,28
